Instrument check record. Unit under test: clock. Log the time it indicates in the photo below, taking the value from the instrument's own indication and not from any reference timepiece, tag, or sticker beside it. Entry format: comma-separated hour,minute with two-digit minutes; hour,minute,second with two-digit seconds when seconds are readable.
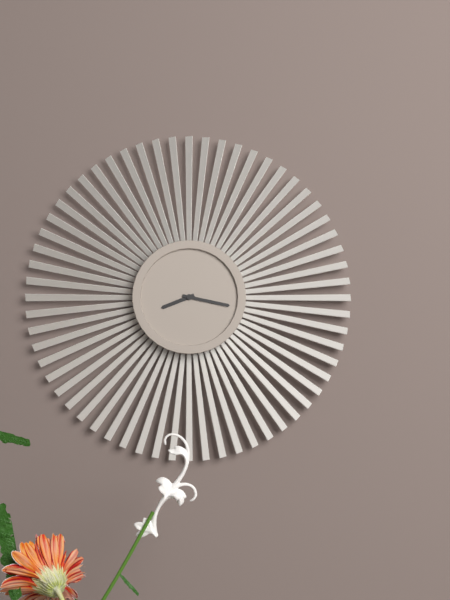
8,17
